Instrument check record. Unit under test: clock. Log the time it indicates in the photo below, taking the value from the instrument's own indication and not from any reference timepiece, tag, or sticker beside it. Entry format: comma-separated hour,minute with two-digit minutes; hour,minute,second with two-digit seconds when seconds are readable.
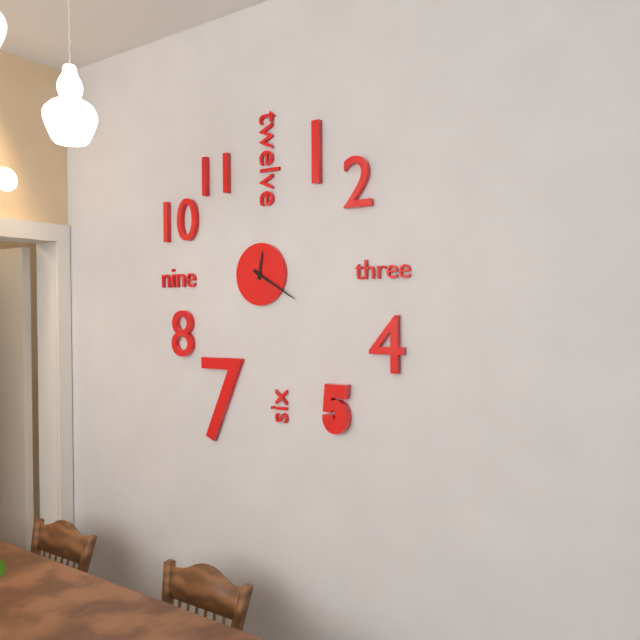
12,20
